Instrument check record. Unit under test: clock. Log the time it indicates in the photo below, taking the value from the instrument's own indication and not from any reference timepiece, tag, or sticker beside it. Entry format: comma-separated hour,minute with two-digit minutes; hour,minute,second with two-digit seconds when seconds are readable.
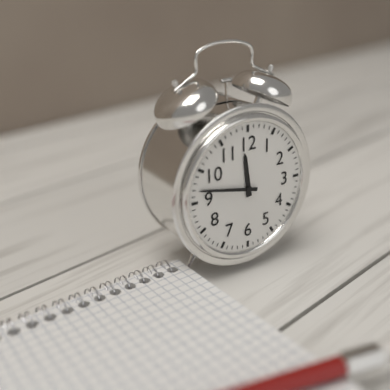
11,47
